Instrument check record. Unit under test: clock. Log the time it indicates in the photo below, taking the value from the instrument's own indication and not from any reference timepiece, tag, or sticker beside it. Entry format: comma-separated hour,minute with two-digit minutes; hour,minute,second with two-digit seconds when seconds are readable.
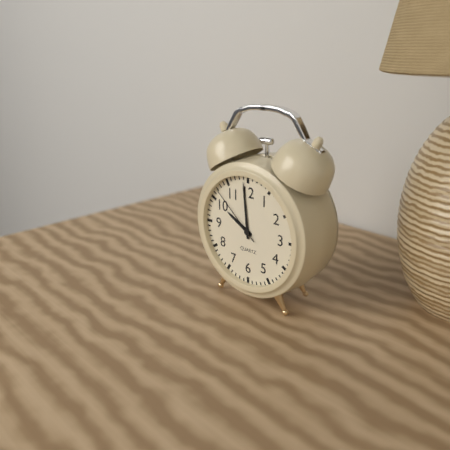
9,59,52
